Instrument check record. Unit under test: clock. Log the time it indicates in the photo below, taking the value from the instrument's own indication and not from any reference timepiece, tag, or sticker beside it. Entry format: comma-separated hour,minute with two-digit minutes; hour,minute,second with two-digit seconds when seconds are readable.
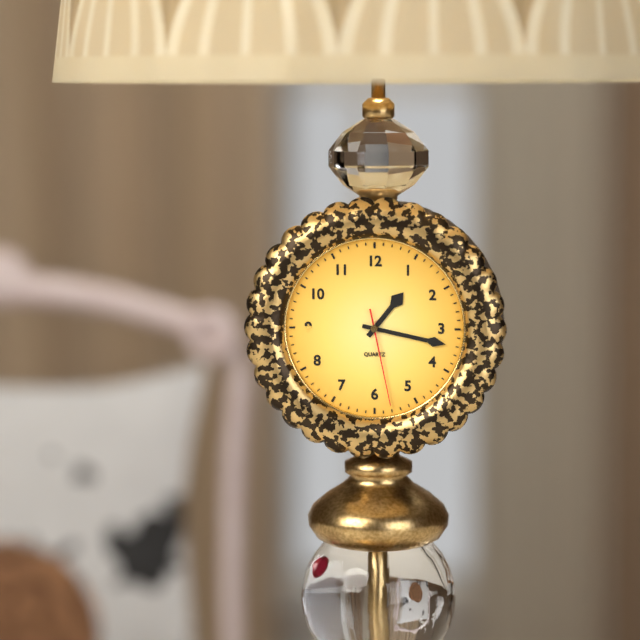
1,17,28
